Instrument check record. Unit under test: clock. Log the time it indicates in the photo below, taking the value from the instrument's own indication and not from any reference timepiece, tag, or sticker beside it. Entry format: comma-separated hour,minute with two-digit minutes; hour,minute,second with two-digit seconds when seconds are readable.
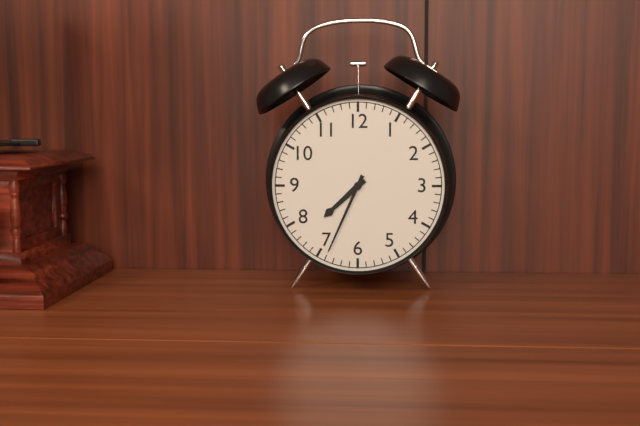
7,34
